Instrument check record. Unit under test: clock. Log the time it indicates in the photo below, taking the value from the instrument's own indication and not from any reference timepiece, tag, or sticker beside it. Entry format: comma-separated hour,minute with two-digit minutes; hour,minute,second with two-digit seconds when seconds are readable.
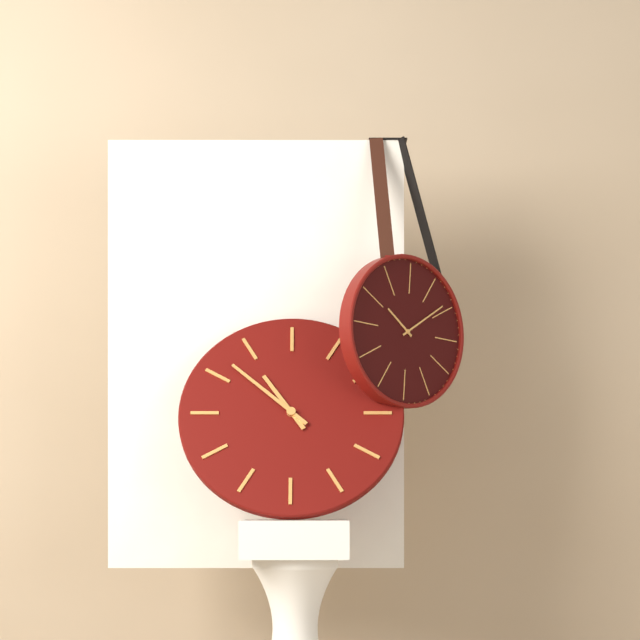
10,52
